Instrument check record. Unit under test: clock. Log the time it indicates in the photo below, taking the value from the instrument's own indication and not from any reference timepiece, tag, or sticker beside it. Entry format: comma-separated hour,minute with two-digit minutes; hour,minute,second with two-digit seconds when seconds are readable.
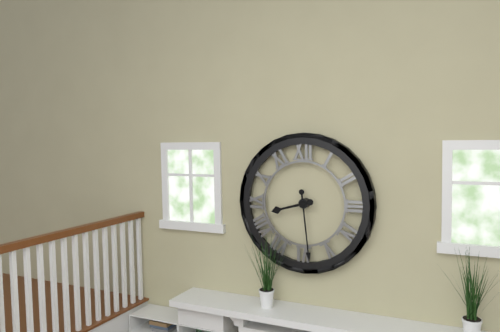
8,29
